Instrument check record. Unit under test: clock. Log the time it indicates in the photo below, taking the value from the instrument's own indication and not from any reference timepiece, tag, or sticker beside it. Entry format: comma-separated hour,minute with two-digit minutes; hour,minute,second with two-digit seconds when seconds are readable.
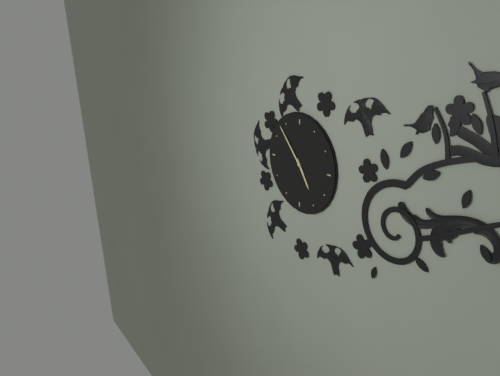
4,53
